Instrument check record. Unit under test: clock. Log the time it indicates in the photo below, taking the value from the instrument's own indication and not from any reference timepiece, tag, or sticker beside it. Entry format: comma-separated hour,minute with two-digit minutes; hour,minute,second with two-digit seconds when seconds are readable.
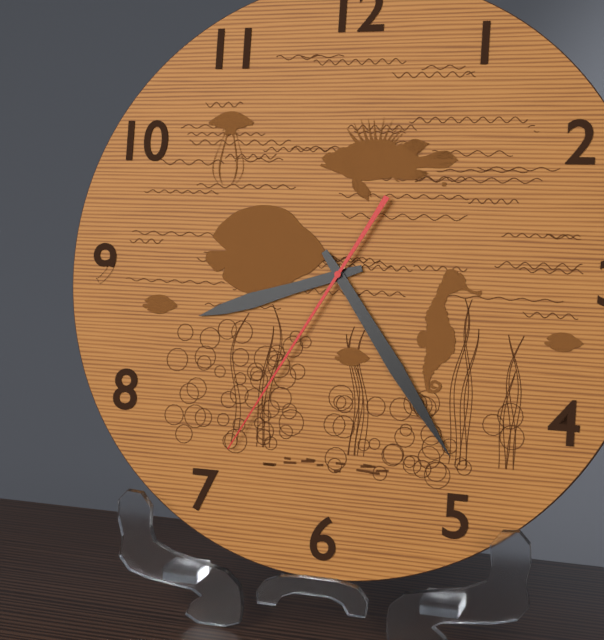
8,24,35
